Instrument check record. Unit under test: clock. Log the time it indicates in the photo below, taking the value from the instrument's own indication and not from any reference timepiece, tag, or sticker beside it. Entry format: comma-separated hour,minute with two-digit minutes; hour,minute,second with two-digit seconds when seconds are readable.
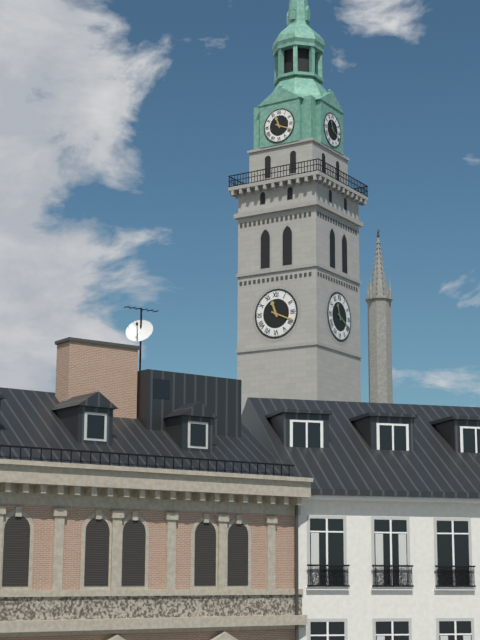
11,19
